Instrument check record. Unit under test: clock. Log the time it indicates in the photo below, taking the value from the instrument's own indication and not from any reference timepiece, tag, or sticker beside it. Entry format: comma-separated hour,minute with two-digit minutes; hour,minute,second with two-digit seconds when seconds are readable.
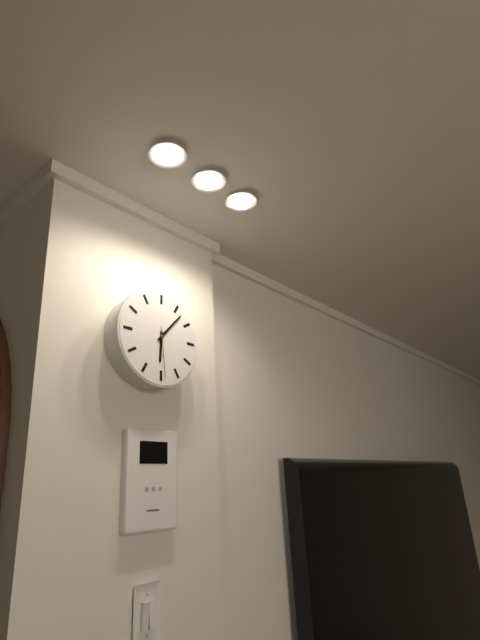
6,07,29
